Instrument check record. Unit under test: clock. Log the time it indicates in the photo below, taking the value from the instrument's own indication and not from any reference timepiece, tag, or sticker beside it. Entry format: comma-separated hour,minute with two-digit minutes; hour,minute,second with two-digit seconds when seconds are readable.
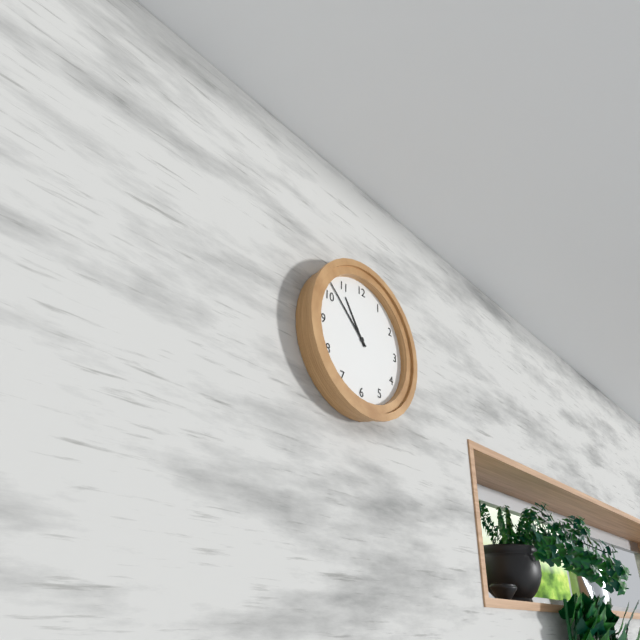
10,52
